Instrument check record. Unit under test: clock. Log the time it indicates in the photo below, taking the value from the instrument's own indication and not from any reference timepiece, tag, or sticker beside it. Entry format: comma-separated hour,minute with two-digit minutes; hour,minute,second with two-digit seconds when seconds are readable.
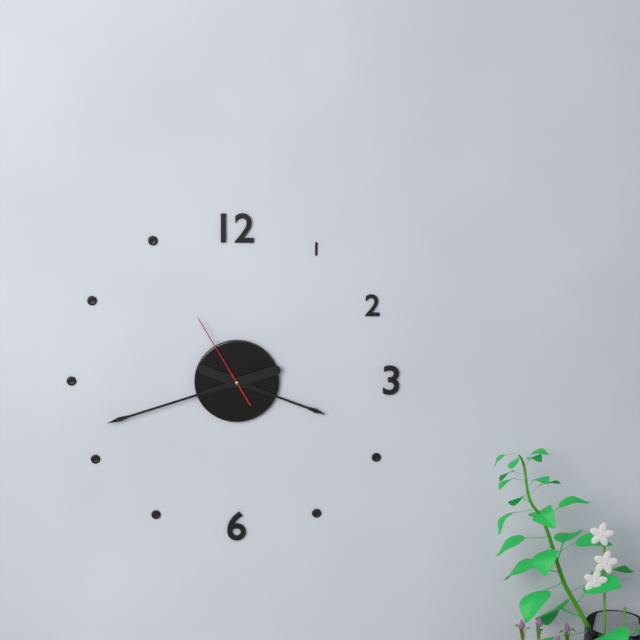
3,42,55
